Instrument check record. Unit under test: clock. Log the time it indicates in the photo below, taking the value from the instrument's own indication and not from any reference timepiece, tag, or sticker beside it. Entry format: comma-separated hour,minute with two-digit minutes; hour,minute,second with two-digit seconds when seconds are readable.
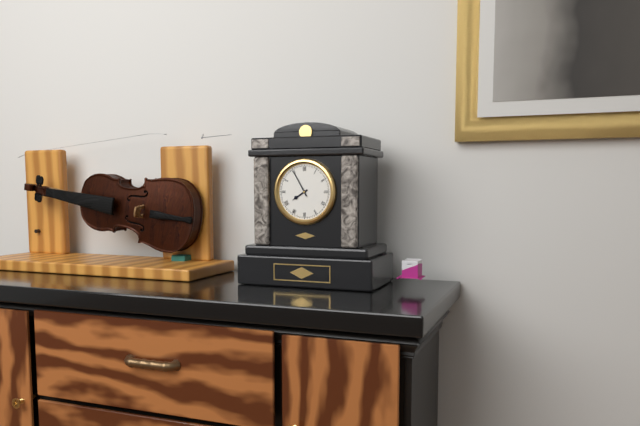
7,55
